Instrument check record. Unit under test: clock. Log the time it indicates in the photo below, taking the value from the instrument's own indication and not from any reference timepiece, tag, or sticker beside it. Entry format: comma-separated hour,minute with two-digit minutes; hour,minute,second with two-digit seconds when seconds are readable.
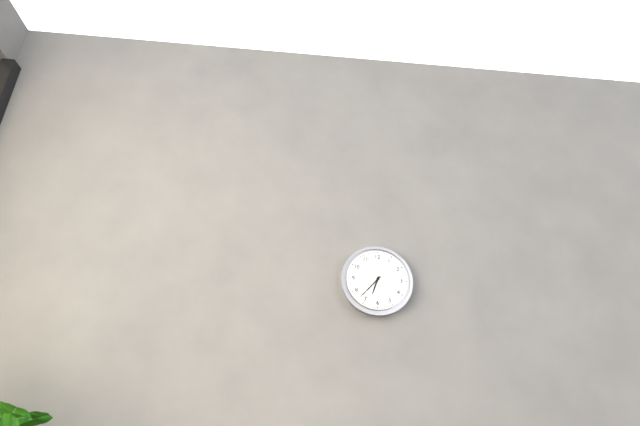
6,37
